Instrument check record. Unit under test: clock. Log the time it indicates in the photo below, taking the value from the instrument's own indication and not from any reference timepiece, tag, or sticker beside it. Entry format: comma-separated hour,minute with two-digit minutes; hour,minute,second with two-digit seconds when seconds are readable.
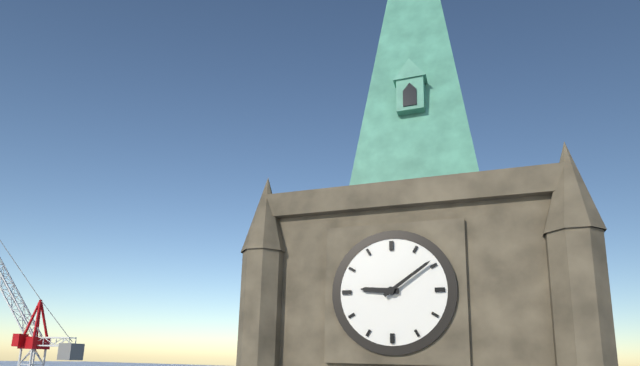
9,09
